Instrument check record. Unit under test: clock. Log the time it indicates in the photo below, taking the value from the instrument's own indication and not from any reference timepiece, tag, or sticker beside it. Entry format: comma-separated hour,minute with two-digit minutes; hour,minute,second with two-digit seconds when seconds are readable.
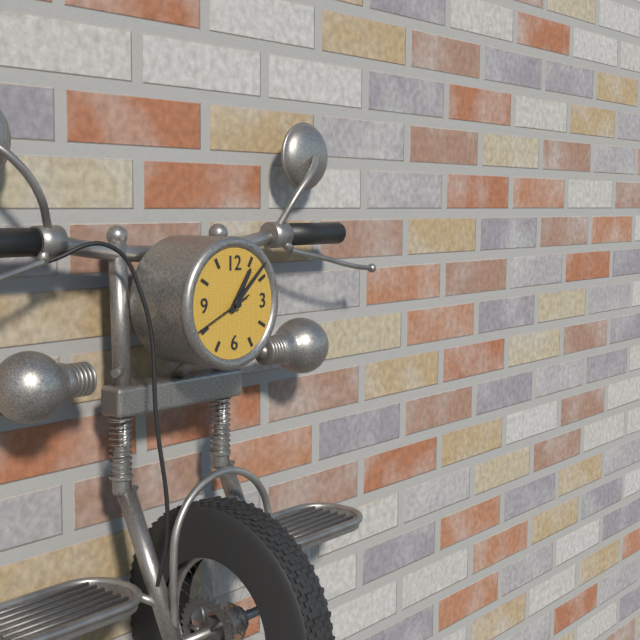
1,08,41
